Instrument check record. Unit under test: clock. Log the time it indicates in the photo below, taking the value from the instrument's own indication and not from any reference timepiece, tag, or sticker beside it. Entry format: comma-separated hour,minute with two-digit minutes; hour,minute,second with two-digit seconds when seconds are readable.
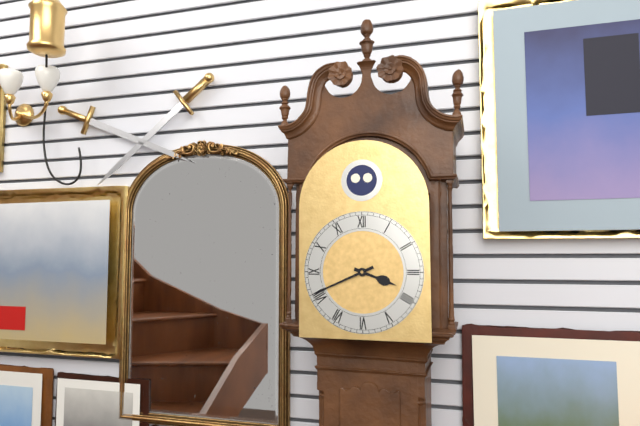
3,41
